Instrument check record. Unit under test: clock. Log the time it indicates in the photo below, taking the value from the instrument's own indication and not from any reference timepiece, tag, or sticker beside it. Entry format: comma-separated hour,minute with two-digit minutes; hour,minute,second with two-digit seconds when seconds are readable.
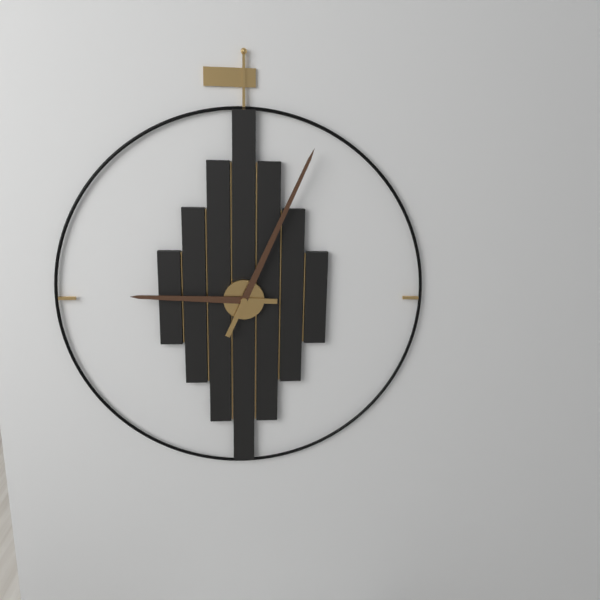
9,04
